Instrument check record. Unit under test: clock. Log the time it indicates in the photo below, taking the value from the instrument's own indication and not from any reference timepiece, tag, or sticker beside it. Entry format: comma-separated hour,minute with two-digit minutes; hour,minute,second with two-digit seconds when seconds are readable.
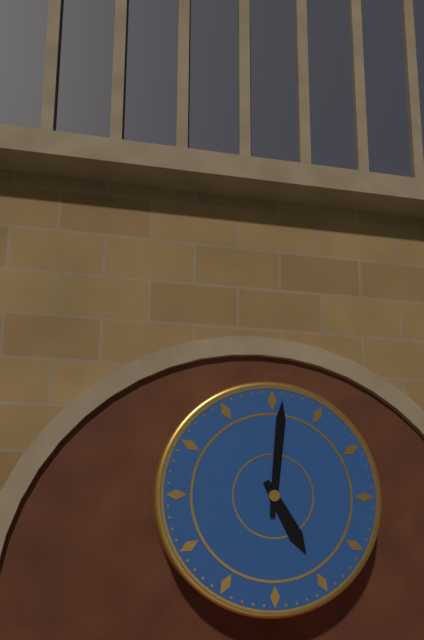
5,01
